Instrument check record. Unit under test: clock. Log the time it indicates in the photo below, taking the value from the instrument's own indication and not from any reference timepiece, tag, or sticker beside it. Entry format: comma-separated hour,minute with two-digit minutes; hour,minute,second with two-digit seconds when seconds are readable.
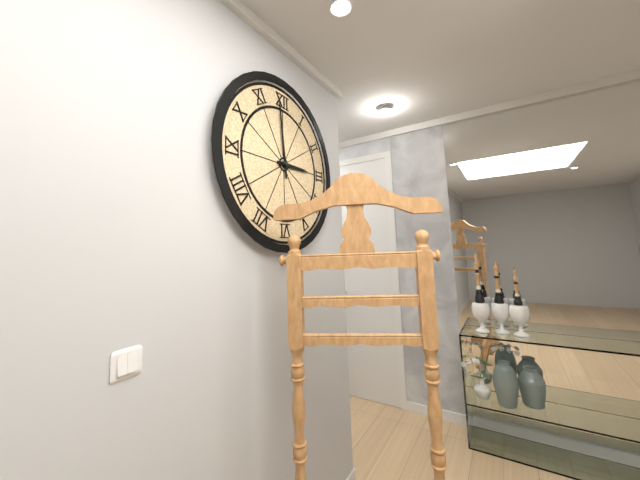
2,59
